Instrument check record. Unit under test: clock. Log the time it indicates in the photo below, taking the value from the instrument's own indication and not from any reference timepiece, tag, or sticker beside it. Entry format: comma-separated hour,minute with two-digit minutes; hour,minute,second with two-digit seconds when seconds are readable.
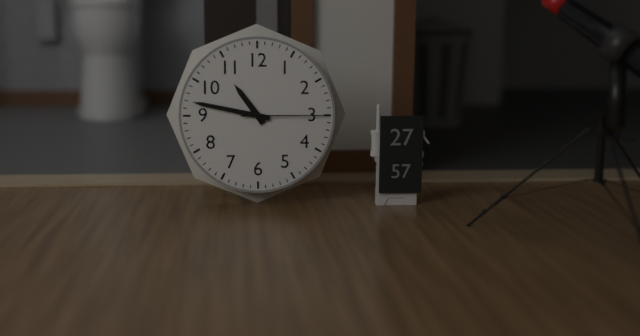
10,47,15
